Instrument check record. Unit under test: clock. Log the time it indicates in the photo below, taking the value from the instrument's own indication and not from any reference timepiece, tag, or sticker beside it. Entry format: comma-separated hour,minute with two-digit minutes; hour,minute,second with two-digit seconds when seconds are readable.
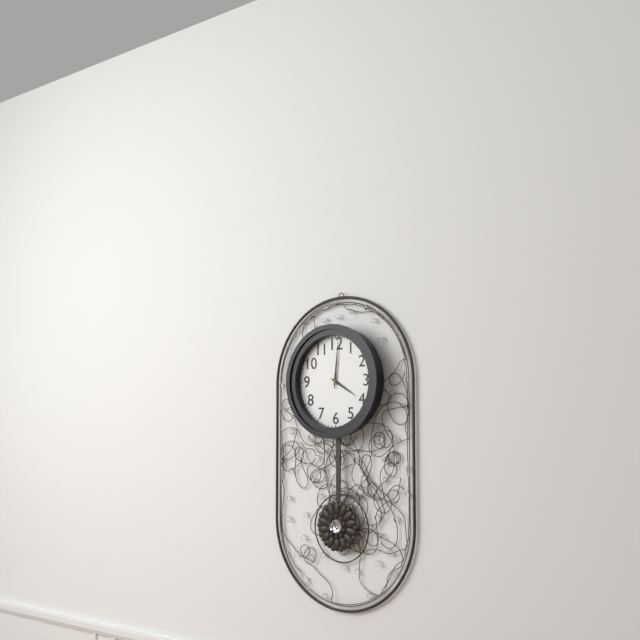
4,01
